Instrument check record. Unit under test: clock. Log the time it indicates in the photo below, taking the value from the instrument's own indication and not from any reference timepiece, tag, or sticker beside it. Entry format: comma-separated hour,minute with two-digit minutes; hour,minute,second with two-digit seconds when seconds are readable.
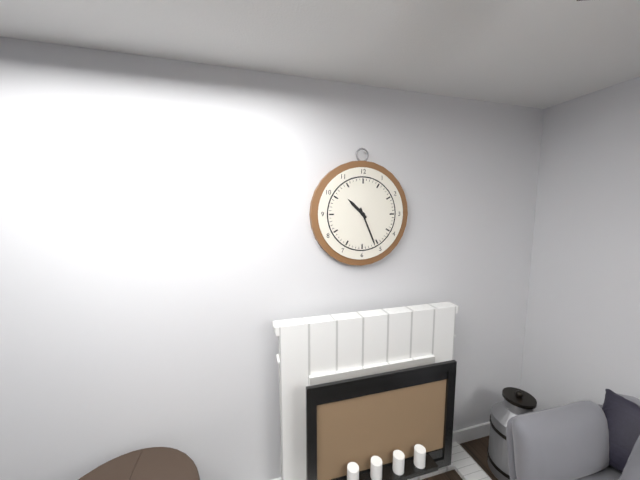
10,26
